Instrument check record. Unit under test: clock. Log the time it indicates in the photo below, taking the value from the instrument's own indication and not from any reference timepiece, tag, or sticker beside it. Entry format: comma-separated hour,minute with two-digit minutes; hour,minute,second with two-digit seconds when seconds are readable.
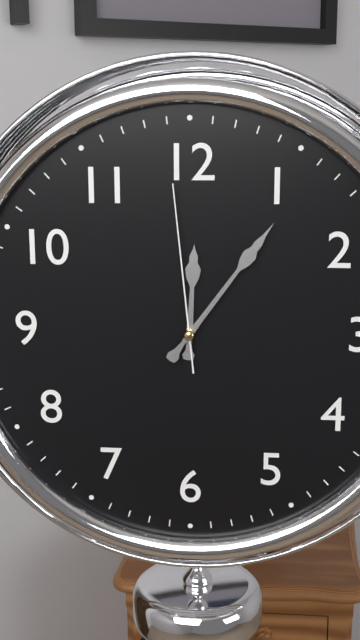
12,06,59
